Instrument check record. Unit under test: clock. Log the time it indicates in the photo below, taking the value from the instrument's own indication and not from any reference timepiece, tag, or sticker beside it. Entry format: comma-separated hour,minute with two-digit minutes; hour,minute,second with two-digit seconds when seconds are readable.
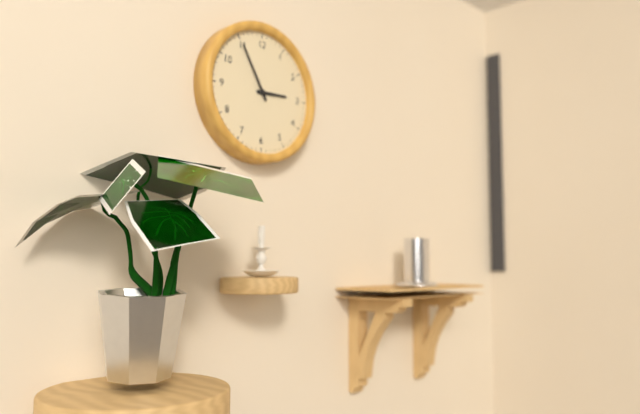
2,55
